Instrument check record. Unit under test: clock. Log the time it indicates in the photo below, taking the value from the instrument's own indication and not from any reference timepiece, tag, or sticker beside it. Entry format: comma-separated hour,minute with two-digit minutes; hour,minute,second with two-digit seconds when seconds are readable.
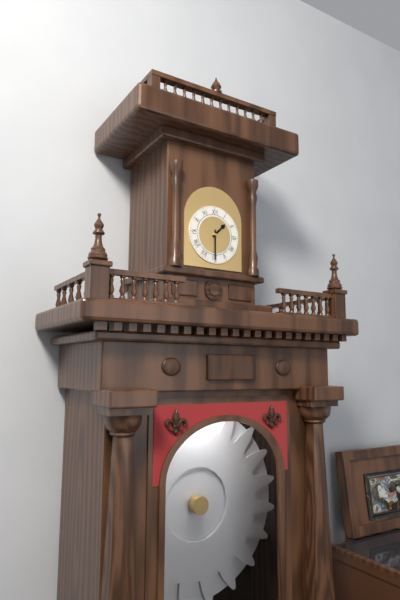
1,30
